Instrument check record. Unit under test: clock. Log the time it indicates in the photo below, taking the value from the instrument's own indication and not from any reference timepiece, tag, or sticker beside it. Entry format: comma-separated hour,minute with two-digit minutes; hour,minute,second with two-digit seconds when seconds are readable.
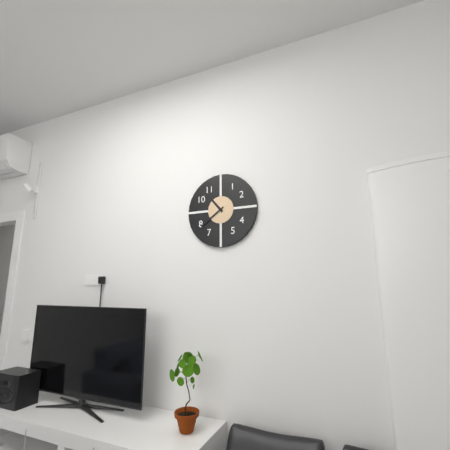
10,39
